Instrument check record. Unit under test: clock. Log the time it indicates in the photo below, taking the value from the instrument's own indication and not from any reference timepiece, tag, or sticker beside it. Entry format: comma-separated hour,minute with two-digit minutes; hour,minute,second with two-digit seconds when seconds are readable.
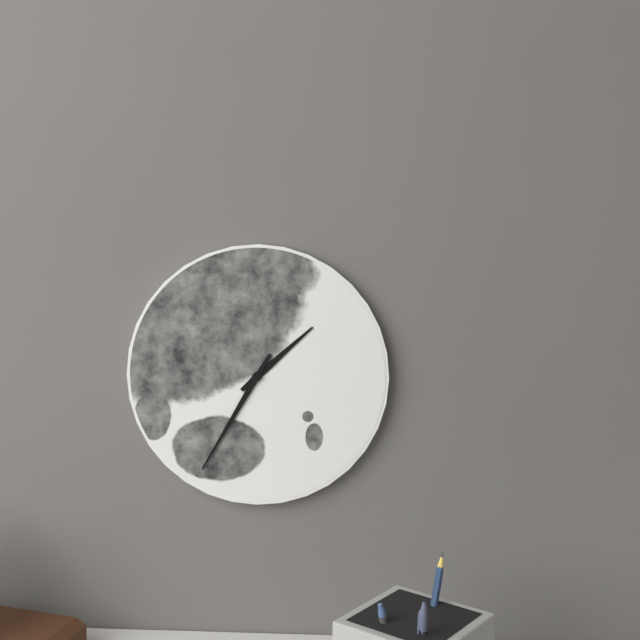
1,35
